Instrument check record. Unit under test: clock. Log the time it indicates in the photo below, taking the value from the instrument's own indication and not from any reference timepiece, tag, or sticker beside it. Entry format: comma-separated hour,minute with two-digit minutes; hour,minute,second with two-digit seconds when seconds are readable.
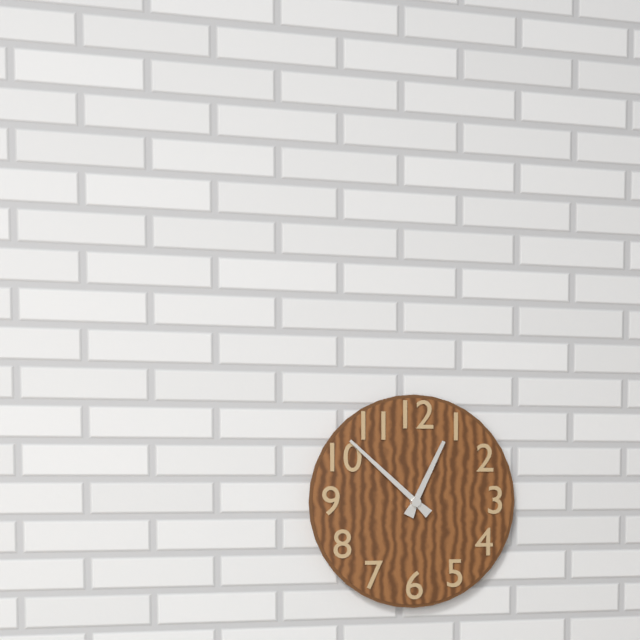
12,52
